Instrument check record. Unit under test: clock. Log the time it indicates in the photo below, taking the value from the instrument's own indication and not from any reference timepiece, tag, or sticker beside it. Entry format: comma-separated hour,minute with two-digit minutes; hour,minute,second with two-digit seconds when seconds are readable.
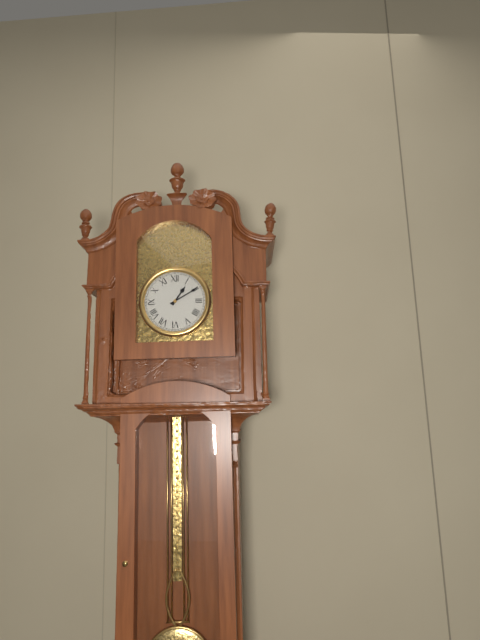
1,10
